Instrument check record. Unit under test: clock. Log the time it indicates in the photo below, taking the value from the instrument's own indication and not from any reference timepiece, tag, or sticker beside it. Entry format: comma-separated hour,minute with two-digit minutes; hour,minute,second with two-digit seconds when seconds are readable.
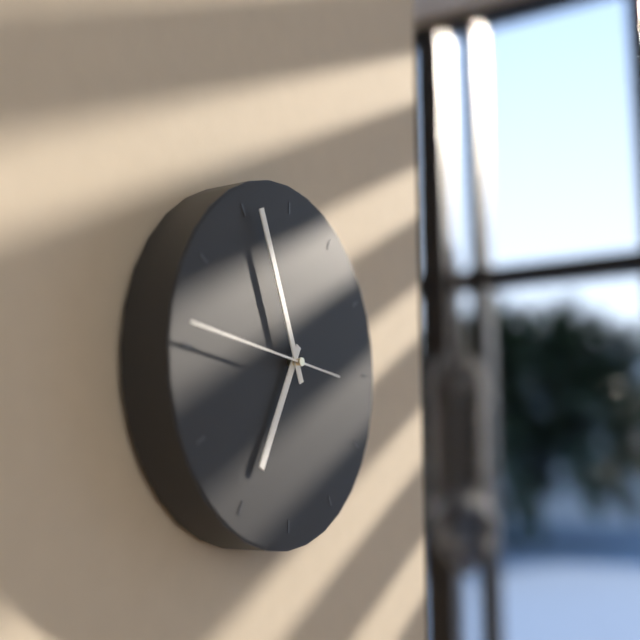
6,56,46
